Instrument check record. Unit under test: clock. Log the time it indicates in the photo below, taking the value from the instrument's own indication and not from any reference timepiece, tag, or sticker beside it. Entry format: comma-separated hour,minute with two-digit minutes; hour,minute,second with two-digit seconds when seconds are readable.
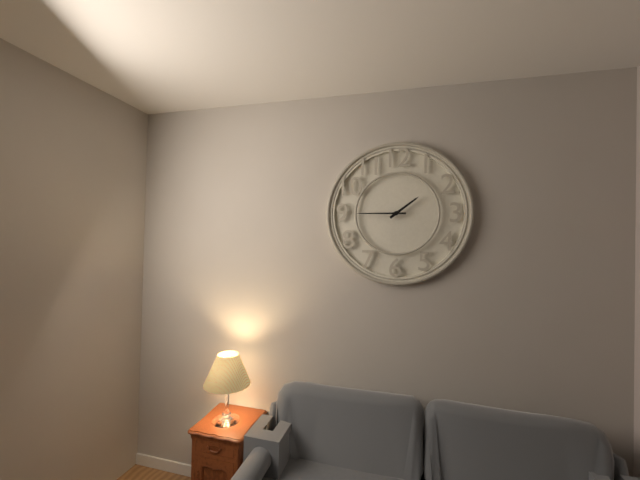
1,45
